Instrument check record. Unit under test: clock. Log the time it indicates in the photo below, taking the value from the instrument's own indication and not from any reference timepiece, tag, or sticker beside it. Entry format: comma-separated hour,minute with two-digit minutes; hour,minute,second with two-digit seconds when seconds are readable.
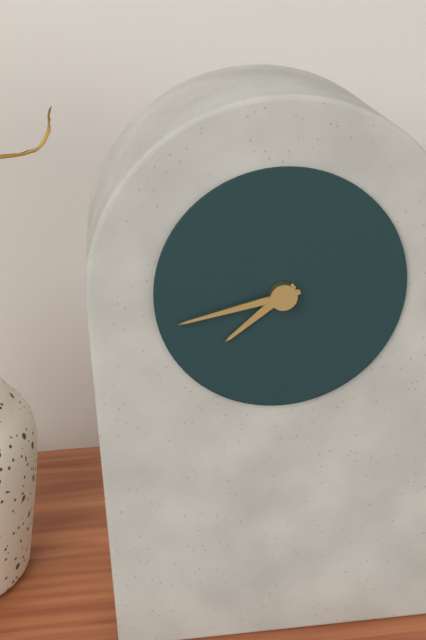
7,43
